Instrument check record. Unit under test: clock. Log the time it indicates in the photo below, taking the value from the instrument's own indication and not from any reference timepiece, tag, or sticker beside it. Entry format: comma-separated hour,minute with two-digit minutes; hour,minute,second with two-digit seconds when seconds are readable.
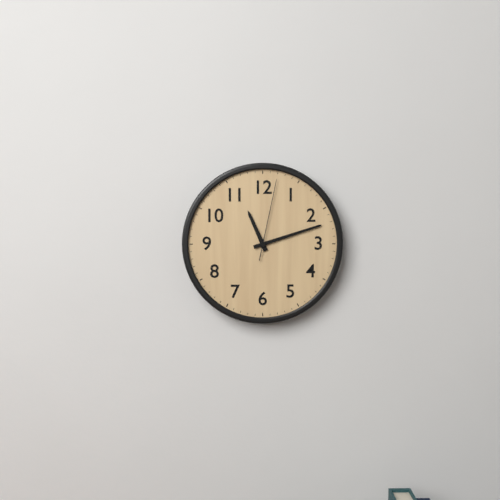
11,12,02
